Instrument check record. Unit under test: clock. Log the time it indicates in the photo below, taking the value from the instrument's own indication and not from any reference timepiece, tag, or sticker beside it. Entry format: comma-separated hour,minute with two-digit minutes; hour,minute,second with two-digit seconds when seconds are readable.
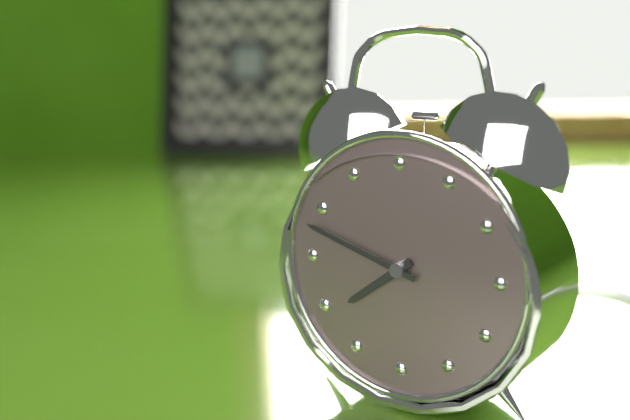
7,48
